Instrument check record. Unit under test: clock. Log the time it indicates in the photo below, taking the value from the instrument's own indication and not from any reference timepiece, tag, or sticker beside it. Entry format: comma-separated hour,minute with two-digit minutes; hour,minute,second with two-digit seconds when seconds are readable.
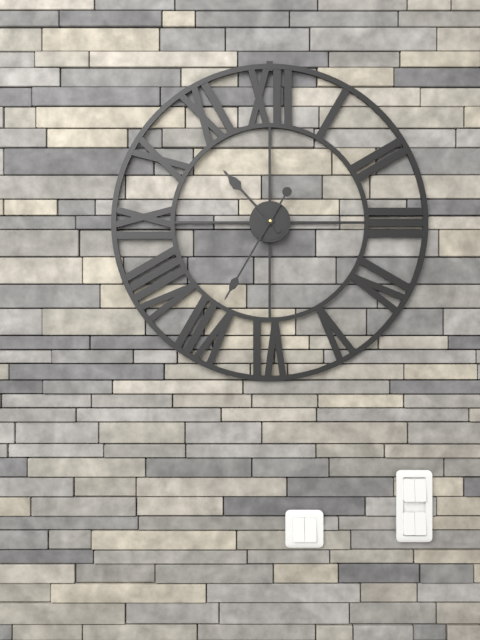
10,35
